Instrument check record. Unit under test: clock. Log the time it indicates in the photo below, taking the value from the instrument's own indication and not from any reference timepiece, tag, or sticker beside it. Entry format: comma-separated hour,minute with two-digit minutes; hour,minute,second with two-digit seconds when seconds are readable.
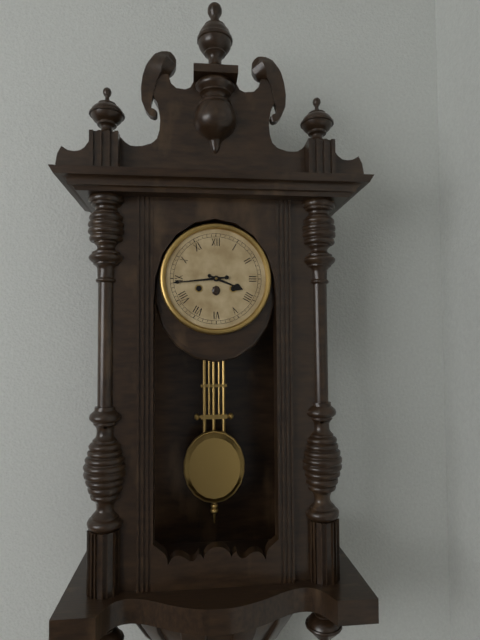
3,44
